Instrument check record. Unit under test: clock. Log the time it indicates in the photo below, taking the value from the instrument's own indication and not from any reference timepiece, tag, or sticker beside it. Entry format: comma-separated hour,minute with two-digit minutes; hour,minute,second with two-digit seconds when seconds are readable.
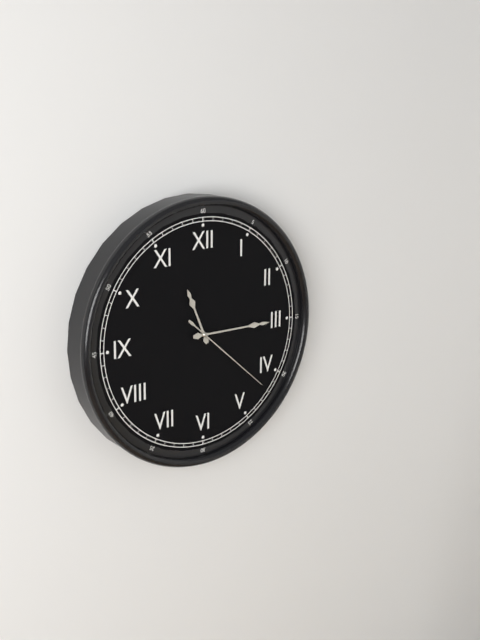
11,15,22
